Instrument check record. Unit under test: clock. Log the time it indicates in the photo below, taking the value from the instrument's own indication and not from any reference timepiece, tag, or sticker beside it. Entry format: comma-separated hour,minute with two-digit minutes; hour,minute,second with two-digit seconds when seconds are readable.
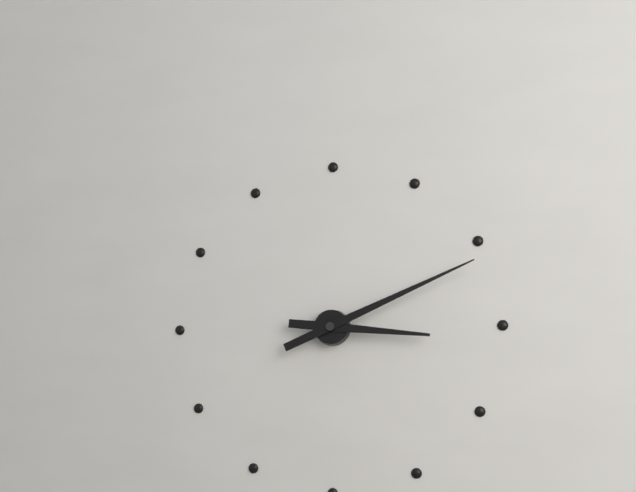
3,11
